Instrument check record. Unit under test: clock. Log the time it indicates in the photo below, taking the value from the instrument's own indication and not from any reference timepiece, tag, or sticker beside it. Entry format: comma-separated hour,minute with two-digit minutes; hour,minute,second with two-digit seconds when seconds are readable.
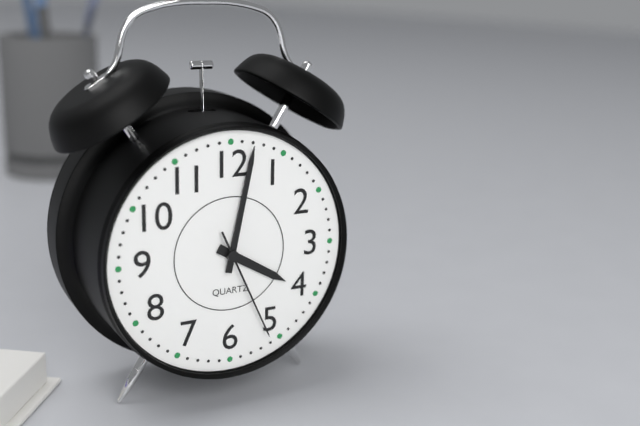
4,02,26
